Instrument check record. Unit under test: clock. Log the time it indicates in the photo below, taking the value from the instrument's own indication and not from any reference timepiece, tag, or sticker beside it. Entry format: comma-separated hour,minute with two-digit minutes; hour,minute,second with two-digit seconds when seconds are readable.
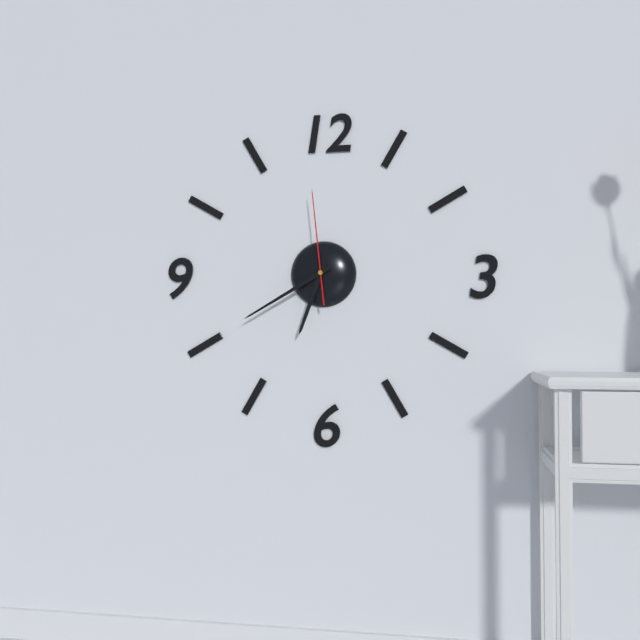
6,40,59
